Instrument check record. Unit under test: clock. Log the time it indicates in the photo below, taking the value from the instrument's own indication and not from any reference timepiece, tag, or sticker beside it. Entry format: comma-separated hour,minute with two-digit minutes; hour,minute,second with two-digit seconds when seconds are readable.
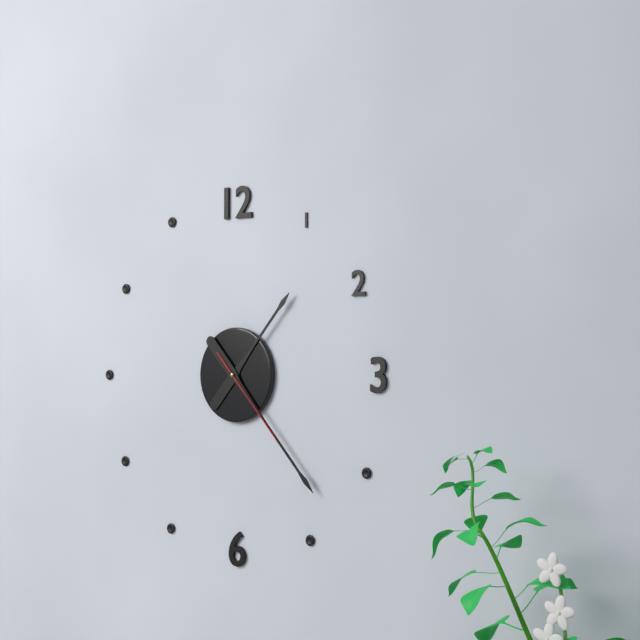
1,23,23
